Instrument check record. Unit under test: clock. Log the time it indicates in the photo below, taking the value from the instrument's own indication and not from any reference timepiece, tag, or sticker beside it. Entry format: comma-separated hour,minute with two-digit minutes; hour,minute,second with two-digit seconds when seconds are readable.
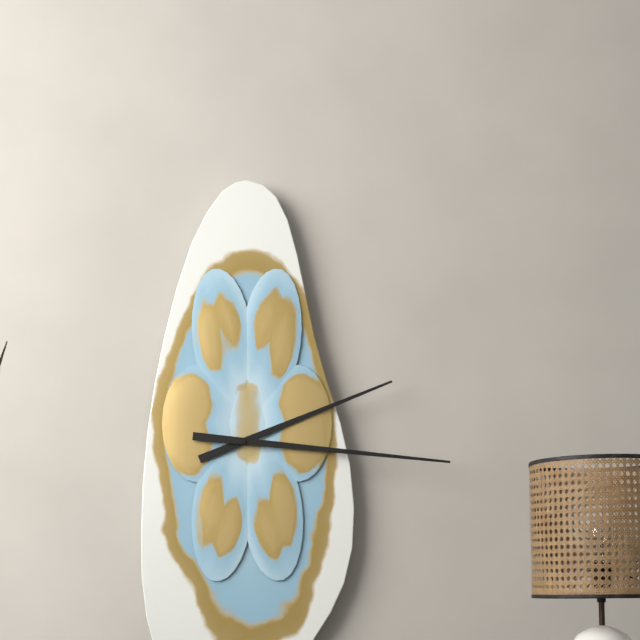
2,16
